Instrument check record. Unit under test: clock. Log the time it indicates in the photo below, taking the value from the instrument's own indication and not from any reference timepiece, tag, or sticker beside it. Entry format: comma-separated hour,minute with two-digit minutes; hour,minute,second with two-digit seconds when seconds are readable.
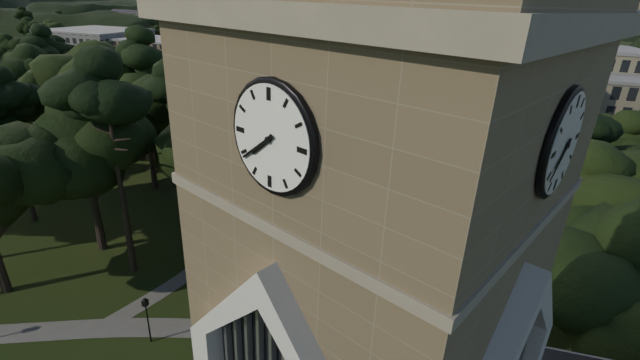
7,39
